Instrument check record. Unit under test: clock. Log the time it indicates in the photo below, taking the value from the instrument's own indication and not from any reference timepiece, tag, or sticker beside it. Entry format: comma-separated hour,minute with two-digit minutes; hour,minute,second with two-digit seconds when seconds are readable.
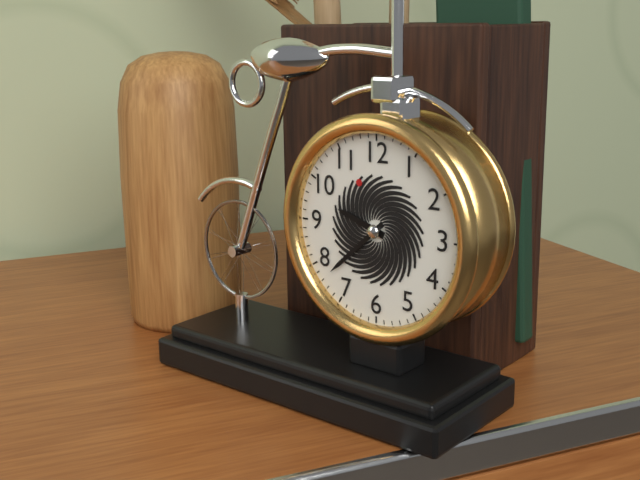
9,38
